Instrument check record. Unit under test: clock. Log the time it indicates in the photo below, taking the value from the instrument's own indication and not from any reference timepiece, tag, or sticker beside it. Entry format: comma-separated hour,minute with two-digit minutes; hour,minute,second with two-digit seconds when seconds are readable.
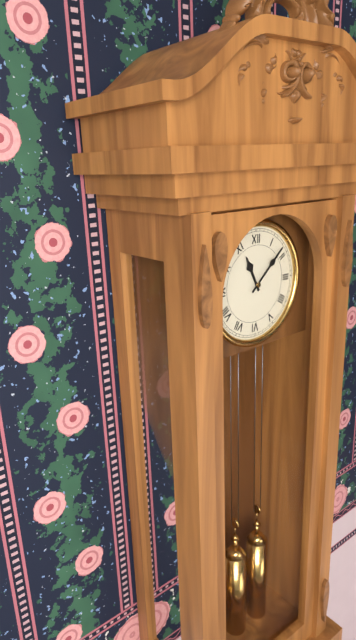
11,08
